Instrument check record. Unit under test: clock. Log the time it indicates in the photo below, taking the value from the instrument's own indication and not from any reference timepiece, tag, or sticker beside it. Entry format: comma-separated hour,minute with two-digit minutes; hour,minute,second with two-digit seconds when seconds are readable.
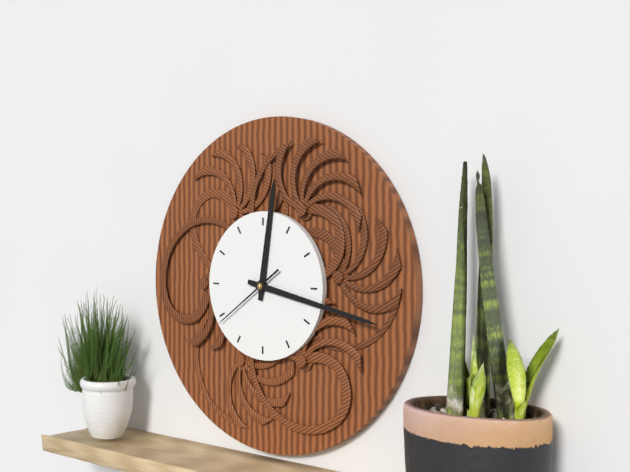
12,17,39
